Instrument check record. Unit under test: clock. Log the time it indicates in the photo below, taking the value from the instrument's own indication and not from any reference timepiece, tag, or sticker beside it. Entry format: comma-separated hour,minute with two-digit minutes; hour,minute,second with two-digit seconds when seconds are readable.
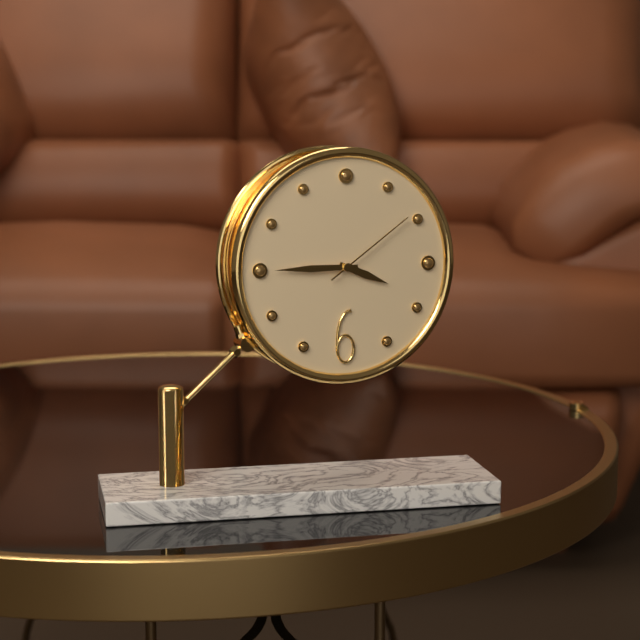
3,45,09
